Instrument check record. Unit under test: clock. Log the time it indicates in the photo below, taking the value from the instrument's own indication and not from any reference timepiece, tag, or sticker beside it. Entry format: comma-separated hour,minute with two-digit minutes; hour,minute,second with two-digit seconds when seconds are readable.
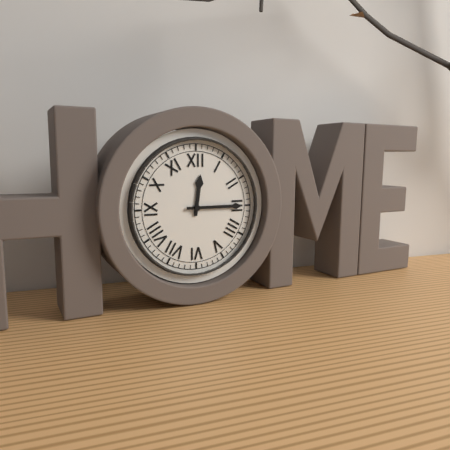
12,15
